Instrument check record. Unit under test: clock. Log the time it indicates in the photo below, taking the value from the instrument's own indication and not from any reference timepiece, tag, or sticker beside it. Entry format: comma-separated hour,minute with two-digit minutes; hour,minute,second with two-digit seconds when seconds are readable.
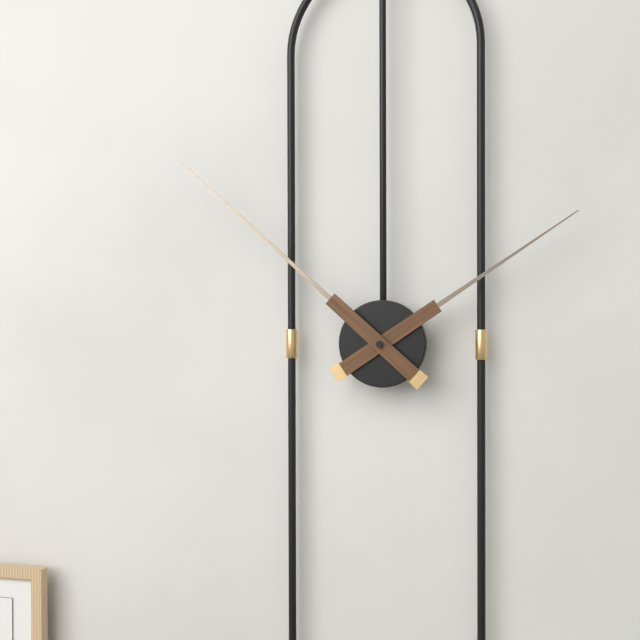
1,52
